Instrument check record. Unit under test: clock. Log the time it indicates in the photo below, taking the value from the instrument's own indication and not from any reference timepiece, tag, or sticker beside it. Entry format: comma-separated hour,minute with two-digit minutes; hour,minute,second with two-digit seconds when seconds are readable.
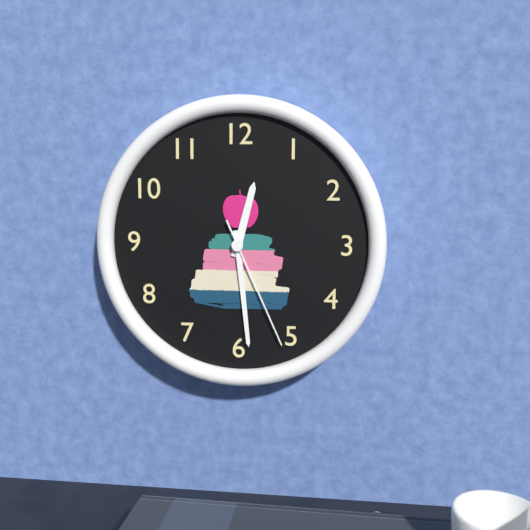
12,29,26
